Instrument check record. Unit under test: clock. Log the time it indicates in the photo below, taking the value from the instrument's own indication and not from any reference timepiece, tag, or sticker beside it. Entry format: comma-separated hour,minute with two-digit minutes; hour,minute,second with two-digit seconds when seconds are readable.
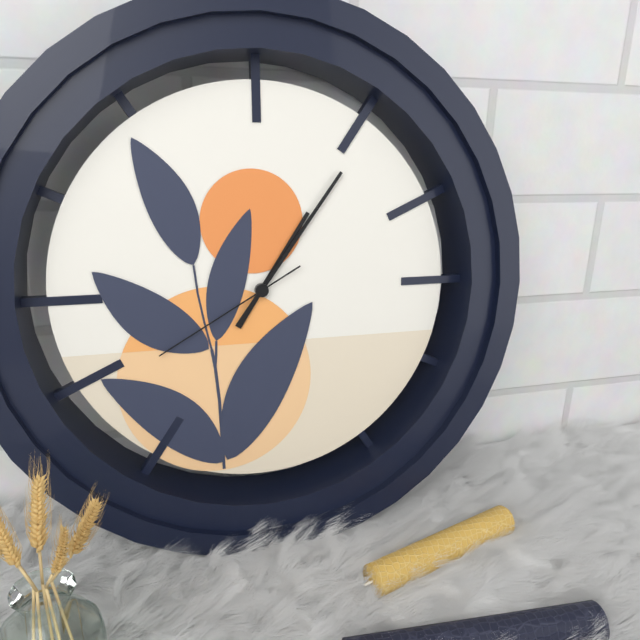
1,06,40
